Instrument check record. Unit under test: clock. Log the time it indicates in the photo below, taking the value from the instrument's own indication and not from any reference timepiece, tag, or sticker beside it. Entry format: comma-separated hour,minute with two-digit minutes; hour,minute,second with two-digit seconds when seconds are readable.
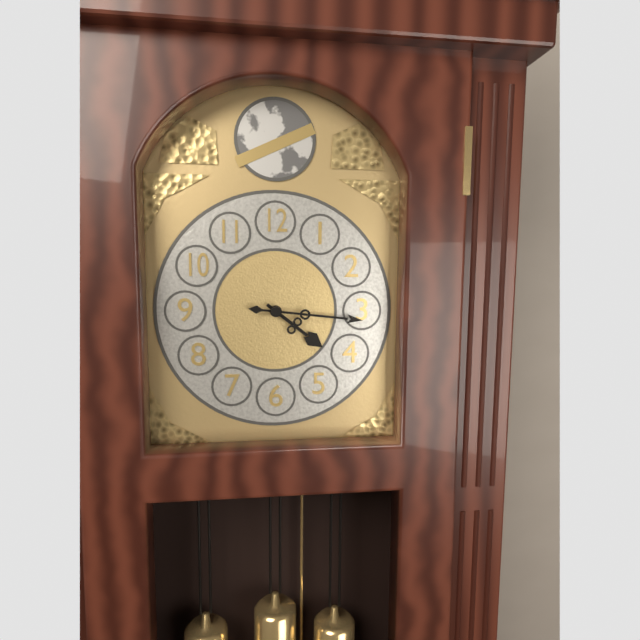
4,16
